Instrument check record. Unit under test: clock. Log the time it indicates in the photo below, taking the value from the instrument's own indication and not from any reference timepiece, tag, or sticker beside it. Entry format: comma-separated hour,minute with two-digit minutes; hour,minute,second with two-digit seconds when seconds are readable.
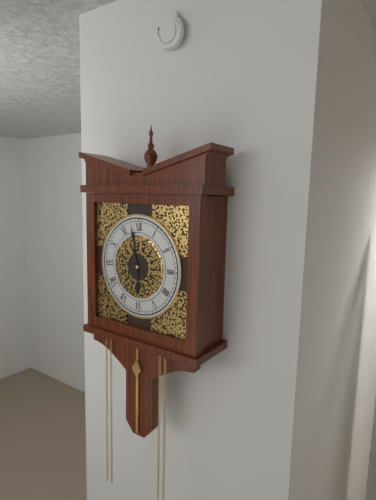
5,58
